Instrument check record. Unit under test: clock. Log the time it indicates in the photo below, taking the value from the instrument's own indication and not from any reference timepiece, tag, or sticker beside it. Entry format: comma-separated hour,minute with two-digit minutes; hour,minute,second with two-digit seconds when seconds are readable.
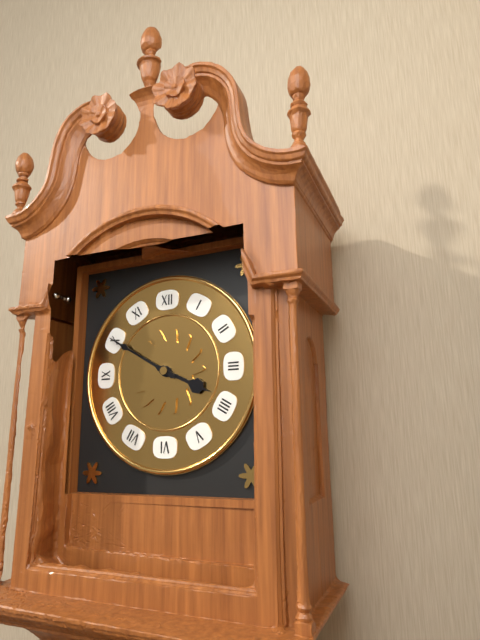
3,50
